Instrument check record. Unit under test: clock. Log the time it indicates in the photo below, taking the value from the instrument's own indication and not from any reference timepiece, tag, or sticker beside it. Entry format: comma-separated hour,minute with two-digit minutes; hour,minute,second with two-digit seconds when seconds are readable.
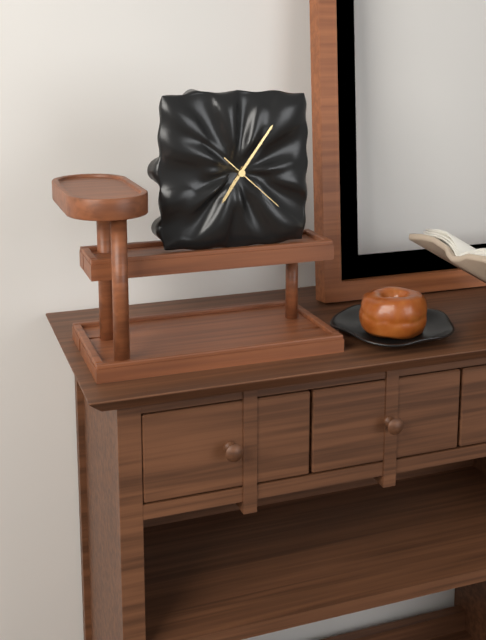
7,06,22
